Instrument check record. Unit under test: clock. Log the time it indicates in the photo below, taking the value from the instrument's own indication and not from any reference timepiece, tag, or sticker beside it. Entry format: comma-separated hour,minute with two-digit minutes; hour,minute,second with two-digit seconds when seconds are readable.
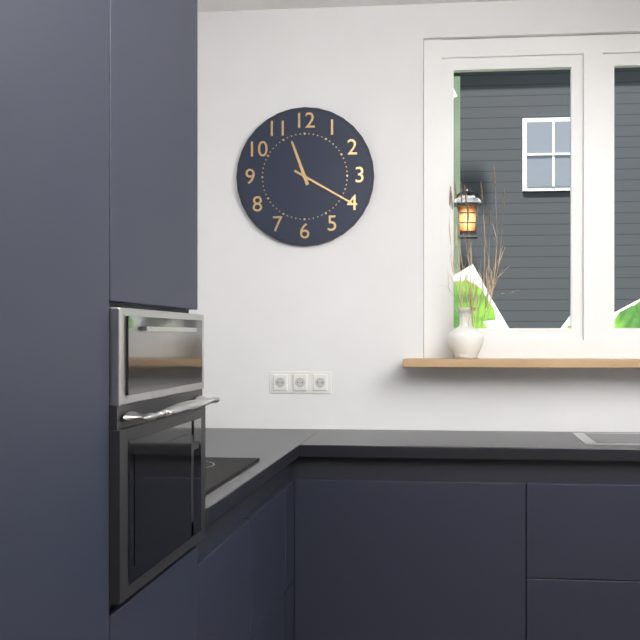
11,20
